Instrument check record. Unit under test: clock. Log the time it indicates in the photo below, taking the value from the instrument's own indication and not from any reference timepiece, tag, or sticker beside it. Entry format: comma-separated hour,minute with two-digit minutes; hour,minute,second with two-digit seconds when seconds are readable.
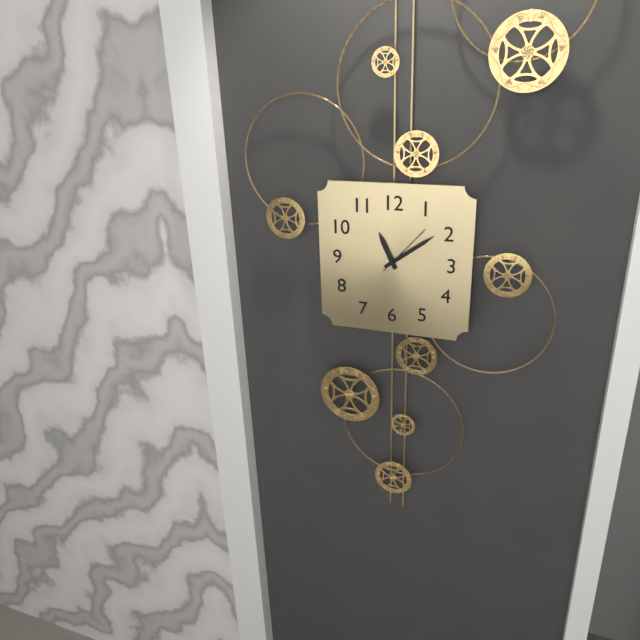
11,09,07
